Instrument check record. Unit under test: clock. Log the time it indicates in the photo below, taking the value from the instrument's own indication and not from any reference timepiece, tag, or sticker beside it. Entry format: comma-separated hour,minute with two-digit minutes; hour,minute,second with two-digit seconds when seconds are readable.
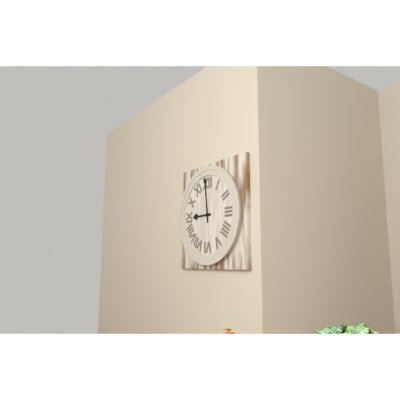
8,59
